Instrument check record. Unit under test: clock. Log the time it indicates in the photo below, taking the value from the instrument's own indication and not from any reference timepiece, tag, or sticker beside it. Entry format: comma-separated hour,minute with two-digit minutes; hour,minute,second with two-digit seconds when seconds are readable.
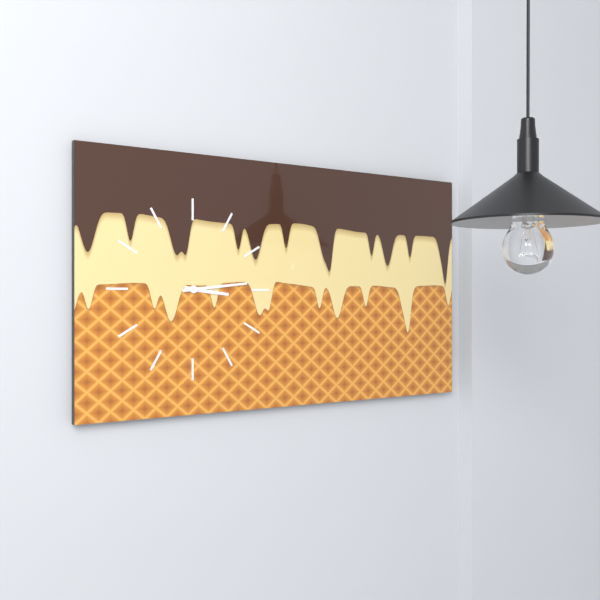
3,14
